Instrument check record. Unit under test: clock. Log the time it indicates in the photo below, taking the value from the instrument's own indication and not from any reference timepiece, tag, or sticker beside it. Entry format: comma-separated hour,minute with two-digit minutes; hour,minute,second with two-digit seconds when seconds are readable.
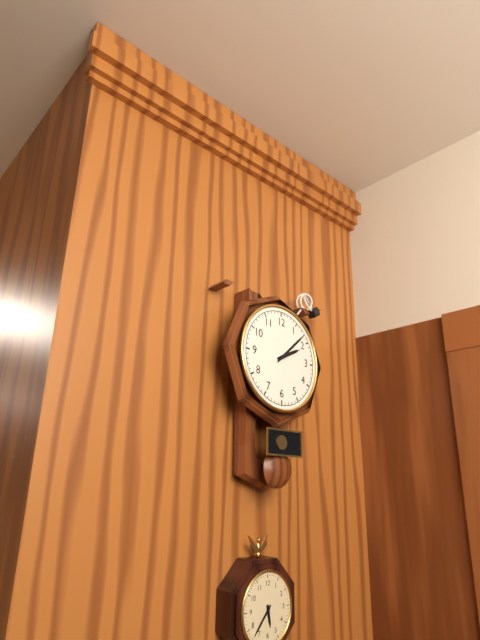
2,08
